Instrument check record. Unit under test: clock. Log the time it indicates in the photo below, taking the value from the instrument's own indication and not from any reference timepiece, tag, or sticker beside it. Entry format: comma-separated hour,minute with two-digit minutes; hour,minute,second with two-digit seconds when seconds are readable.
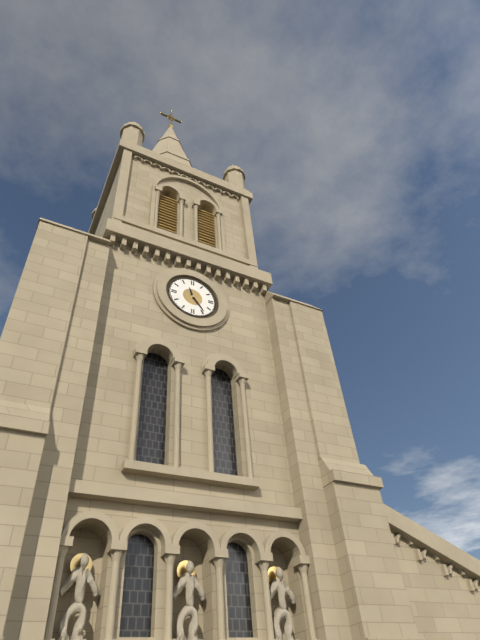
11,24
